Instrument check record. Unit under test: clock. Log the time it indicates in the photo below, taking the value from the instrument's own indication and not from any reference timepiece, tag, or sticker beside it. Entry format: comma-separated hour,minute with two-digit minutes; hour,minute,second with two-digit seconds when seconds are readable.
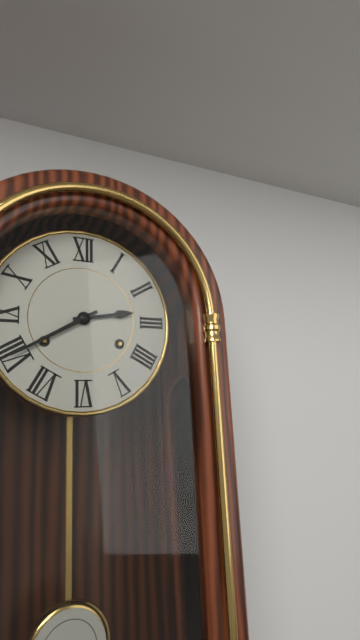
2,40
